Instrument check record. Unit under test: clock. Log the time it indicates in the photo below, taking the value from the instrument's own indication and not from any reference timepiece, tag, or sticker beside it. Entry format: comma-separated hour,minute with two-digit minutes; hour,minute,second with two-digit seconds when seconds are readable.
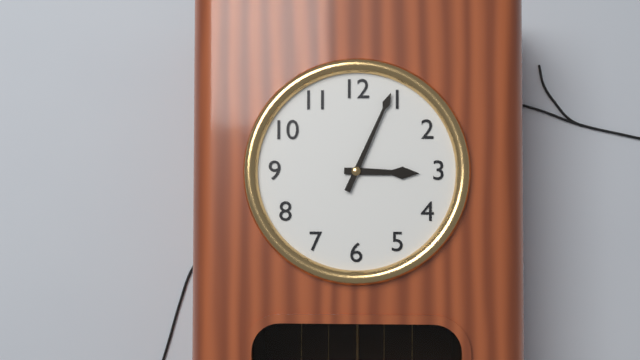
3,04
